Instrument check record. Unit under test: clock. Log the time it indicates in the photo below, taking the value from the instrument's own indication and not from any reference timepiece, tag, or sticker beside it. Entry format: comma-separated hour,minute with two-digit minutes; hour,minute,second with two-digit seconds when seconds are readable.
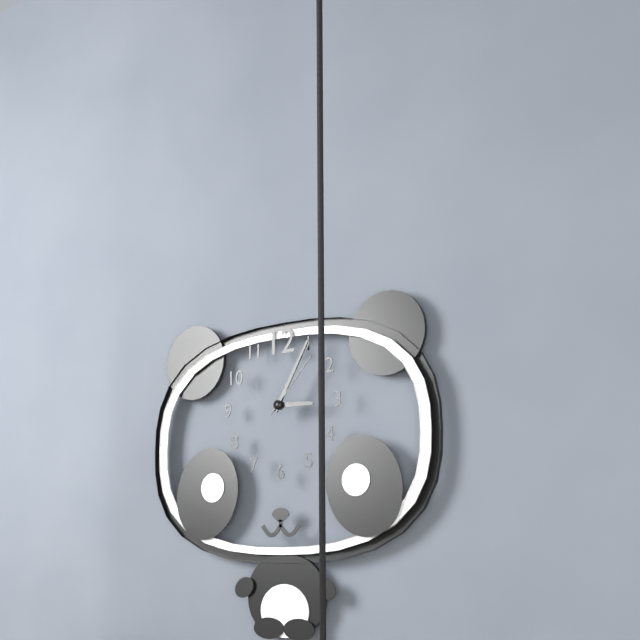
3,05,07
